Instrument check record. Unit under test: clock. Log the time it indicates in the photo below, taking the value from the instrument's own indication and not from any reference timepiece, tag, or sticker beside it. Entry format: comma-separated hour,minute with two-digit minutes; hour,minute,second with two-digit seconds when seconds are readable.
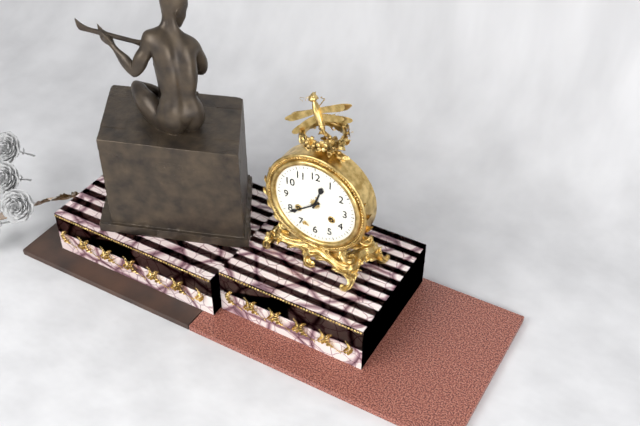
12,39
